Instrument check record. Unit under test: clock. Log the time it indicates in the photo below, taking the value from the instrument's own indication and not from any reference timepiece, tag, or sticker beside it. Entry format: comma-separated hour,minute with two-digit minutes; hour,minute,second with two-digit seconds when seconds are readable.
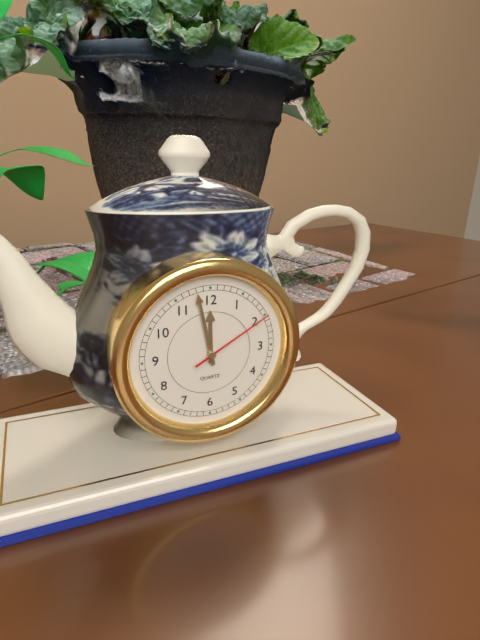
11,58,10
